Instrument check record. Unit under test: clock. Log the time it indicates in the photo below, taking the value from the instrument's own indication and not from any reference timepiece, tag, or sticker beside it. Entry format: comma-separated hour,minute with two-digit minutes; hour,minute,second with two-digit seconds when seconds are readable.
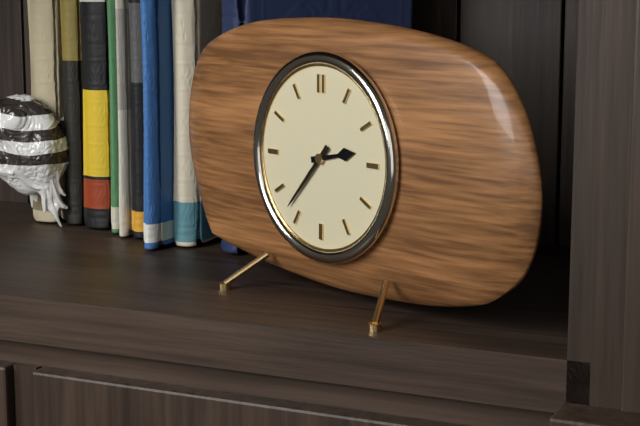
2,37
